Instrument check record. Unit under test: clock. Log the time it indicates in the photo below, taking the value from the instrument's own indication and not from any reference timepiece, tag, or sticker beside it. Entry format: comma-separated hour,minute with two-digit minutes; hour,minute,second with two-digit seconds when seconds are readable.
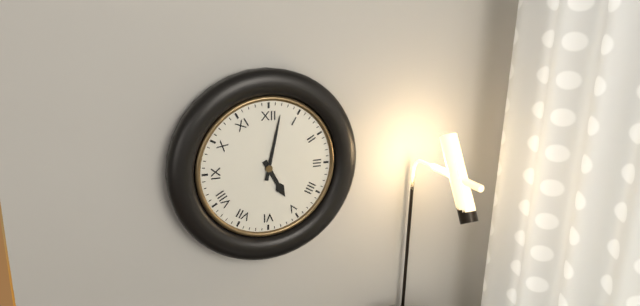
5,02
